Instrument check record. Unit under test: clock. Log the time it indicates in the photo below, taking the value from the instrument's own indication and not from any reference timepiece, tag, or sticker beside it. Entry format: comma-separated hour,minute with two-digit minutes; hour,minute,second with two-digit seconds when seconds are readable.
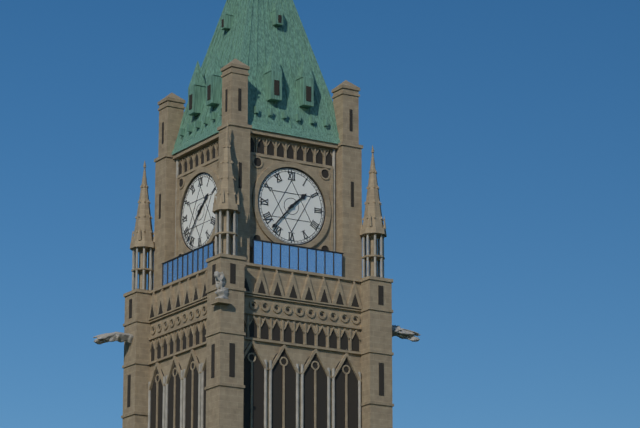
1,37
